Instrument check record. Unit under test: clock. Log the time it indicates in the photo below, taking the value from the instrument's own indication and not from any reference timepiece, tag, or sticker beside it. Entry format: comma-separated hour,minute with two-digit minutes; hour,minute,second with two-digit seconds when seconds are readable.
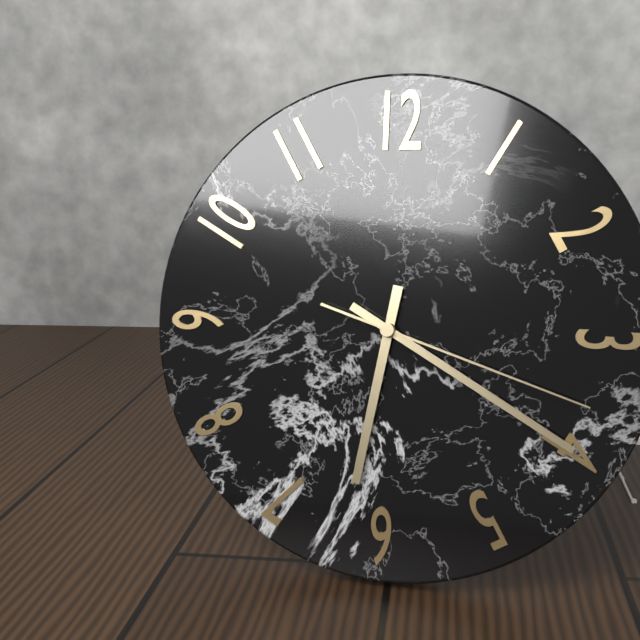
6,20,18
